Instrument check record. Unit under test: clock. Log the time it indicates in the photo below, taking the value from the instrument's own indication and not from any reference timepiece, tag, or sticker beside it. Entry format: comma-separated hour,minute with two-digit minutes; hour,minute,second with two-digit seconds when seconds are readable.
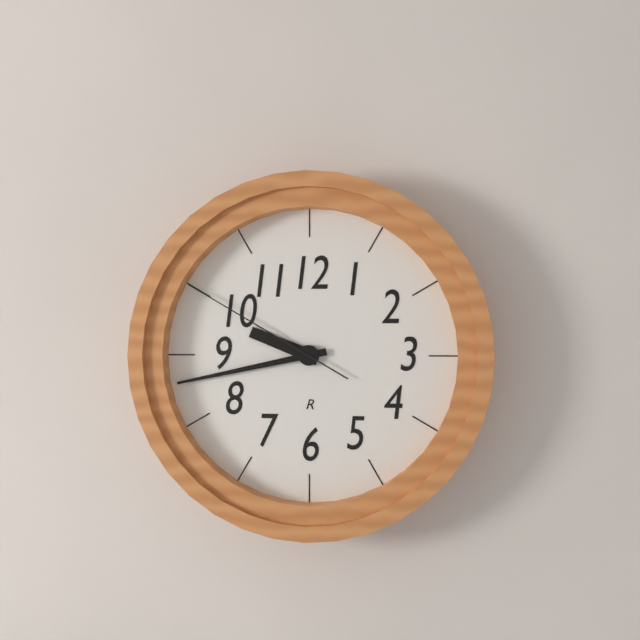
9,43,50
